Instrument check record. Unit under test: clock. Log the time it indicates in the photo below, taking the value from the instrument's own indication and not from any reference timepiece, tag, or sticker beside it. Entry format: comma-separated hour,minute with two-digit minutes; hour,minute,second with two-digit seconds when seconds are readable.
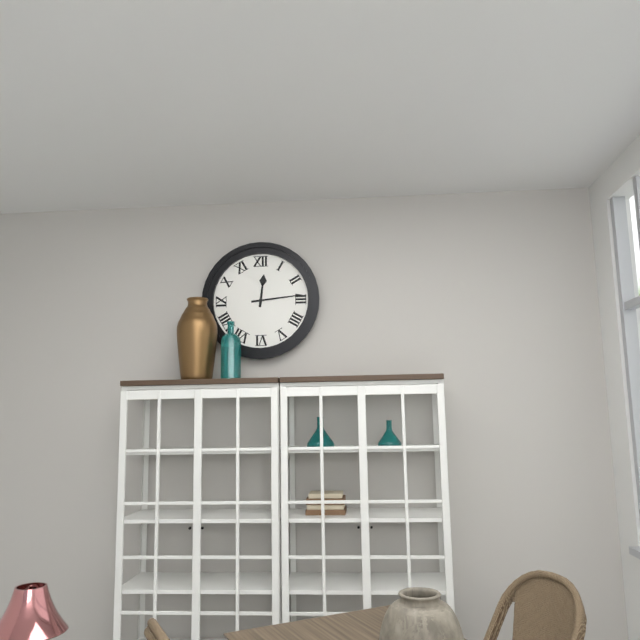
12,14
